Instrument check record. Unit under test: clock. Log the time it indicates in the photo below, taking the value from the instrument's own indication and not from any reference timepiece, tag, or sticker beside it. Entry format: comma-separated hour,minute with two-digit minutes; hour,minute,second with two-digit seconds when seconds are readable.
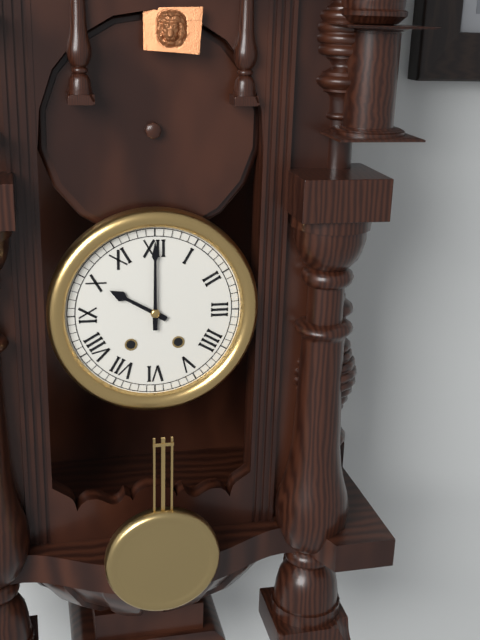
10,00
